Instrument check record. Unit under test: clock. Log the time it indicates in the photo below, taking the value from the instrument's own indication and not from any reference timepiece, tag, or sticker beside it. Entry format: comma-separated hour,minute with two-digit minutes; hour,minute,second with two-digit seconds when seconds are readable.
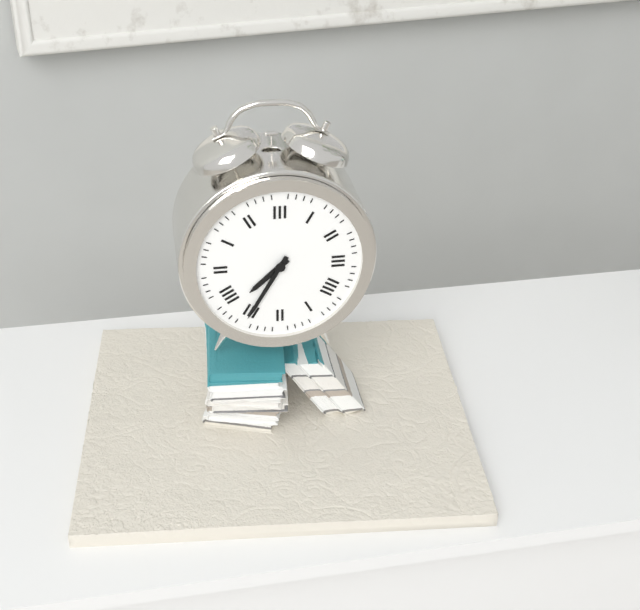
7,35
